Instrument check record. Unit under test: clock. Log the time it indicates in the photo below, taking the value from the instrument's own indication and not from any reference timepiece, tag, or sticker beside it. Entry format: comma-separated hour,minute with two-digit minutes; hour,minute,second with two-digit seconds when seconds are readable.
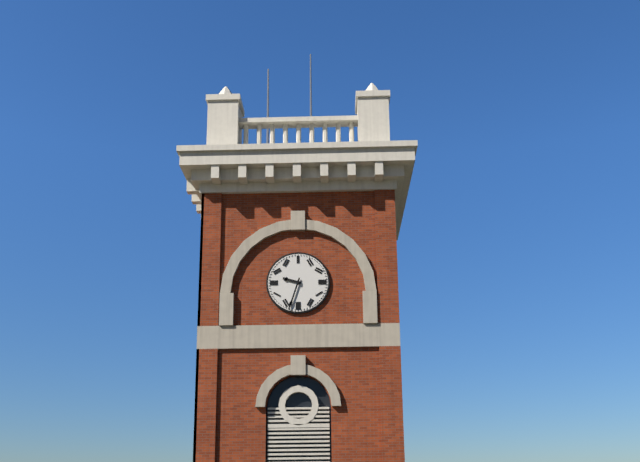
9,33
